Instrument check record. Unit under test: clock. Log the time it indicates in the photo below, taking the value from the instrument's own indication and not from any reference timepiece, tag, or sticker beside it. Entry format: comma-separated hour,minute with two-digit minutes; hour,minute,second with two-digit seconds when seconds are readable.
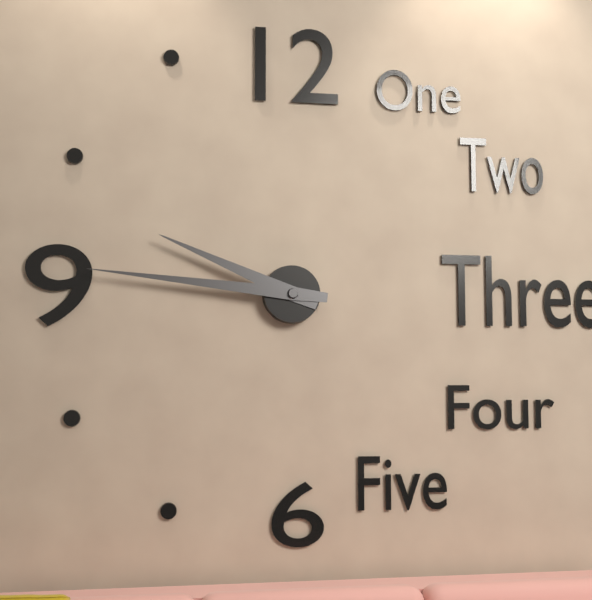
9,46
